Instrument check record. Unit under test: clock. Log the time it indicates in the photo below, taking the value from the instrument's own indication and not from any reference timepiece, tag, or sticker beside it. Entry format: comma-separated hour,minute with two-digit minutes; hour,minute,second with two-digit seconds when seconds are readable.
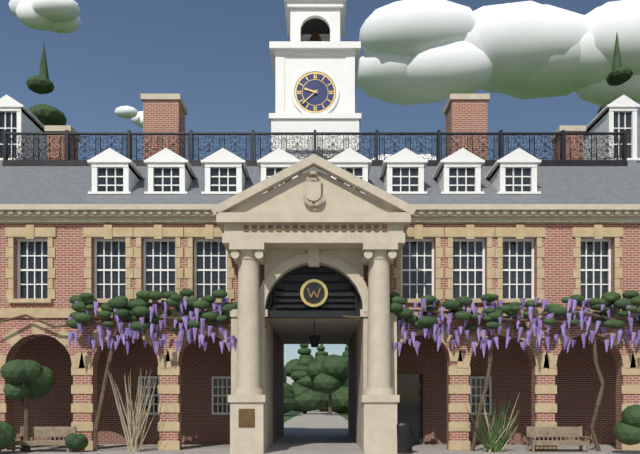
9,38
